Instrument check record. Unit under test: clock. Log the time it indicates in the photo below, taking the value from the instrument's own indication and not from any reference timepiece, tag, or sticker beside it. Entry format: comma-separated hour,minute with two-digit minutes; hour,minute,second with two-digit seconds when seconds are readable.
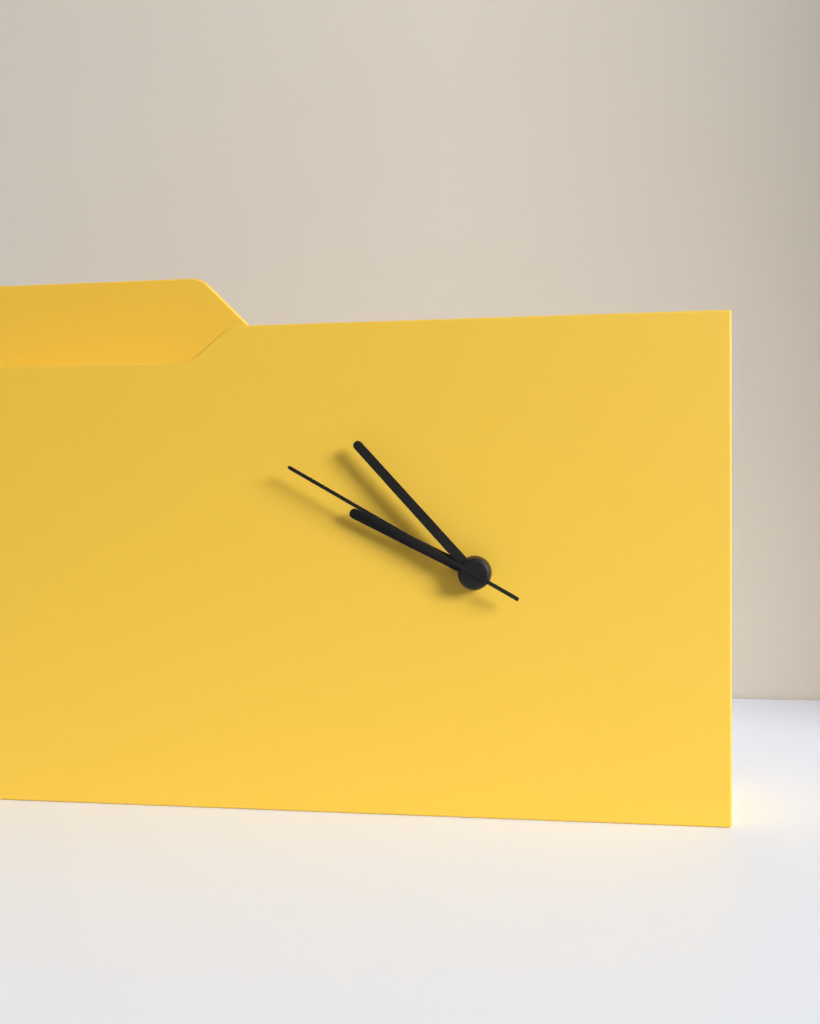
9,53,50
